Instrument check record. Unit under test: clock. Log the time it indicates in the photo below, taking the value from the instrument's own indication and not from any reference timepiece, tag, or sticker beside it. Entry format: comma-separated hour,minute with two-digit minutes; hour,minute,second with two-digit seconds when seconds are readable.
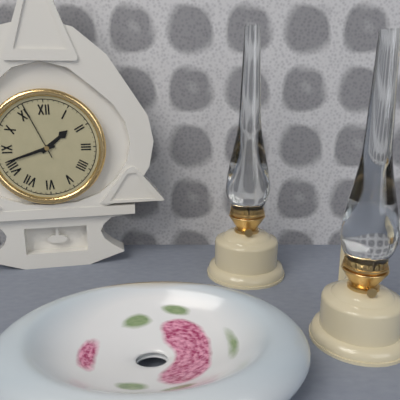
1,42,56
